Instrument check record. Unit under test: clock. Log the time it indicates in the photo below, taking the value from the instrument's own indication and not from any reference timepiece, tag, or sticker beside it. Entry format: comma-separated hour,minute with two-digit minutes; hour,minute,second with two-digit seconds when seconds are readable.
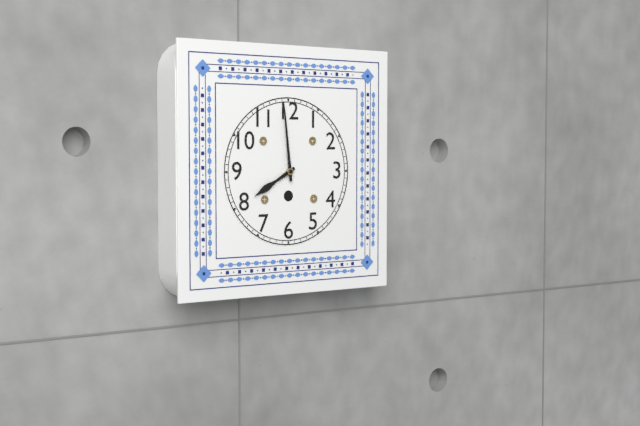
7,59
